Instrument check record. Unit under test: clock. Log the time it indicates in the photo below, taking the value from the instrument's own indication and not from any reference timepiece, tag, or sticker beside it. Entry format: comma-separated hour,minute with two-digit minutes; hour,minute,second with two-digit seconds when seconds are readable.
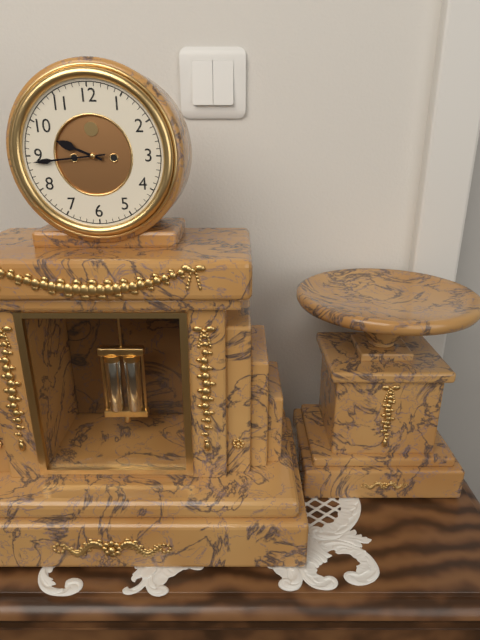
9,44
